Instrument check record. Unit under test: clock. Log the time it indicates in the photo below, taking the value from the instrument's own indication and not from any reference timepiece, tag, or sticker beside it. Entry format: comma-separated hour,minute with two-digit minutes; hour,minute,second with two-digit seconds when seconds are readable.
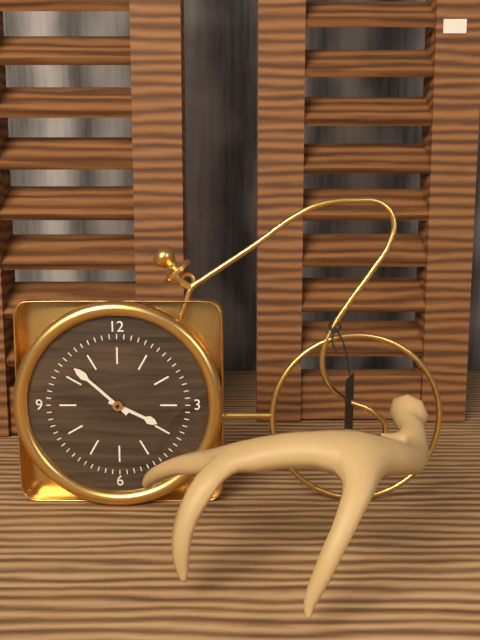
3,52
